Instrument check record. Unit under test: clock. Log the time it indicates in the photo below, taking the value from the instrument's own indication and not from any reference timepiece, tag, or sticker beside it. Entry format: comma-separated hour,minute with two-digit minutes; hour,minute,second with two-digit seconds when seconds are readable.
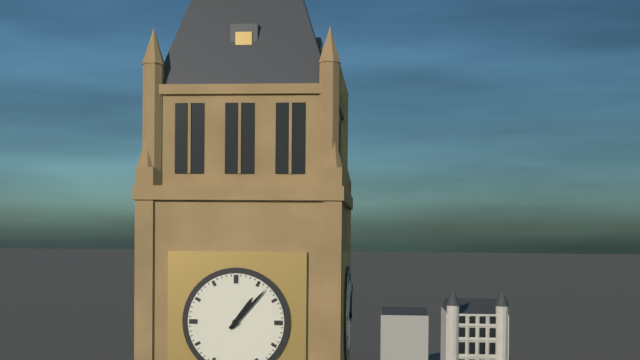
1,07
